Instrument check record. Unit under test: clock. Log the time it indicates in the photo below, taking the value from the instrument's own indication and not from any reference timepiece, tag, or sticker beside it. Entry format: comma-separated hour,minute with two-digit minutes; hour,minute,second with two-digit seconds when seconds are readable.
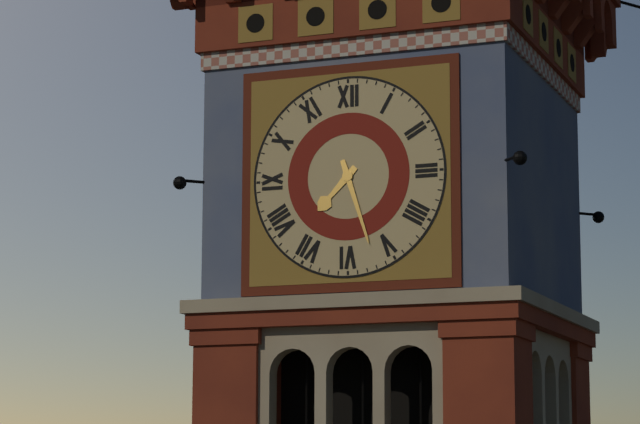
7,27
